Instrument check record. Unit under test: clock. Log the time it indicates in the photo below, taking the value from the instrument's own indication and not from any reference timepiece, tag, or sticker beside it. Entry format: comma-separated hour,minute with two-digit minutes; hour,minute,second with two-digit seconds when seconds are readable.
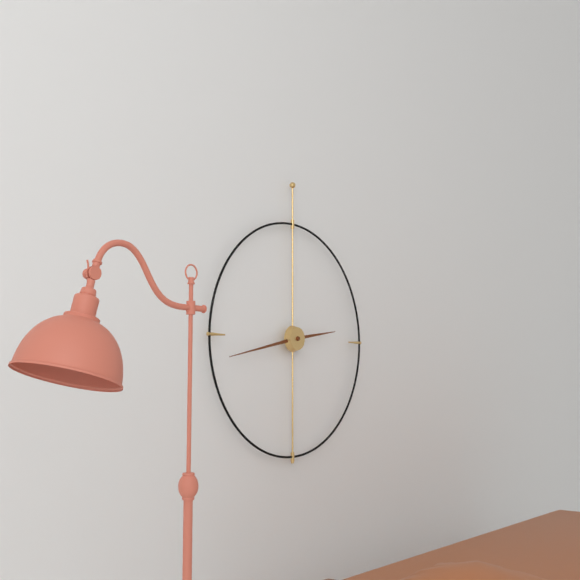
2,43
